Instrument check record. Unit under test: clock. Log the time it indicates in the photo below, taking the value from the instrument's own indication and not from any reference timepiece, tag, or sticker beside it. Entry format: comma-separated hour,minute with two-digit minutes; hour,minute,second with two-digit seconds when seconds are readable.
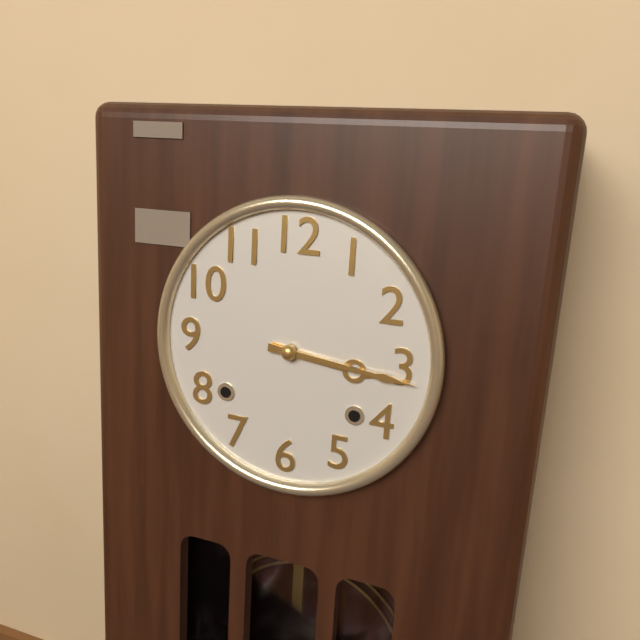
3,16
